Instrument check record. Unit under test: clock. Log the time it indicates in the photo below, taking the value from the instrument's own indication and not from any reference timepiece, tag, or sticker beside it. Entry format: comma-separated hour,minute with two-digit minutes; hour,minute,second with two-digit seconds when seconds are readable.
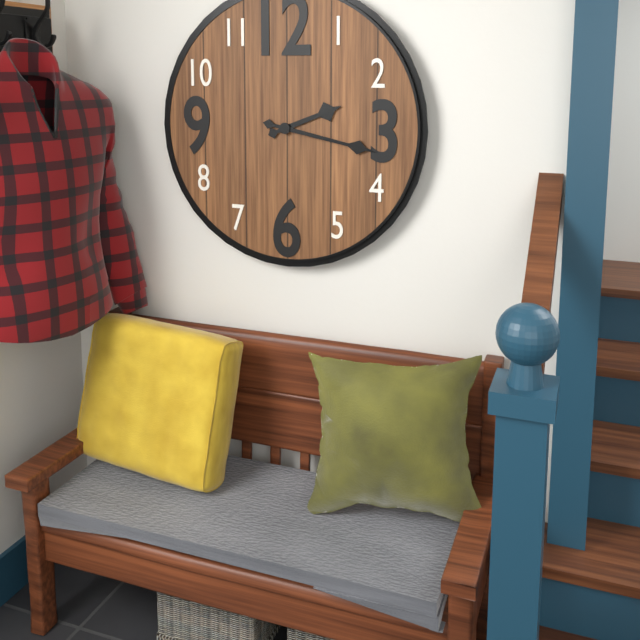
2,17
